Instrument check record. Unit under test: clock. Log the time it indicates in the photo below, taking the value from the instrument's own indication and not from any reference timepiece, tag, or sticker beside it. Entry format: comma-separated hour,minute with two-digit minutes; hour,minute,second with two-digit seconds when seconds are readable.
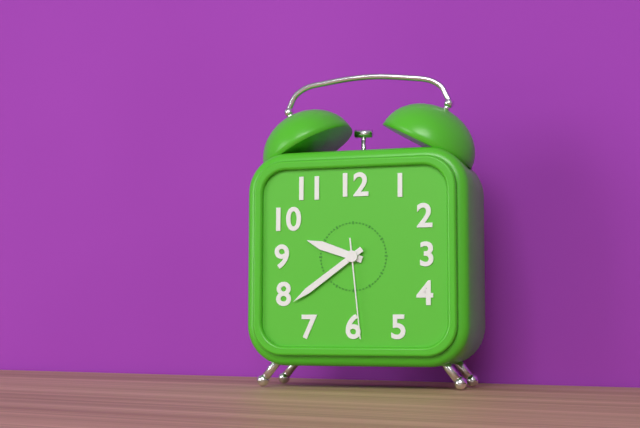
9,39,29
